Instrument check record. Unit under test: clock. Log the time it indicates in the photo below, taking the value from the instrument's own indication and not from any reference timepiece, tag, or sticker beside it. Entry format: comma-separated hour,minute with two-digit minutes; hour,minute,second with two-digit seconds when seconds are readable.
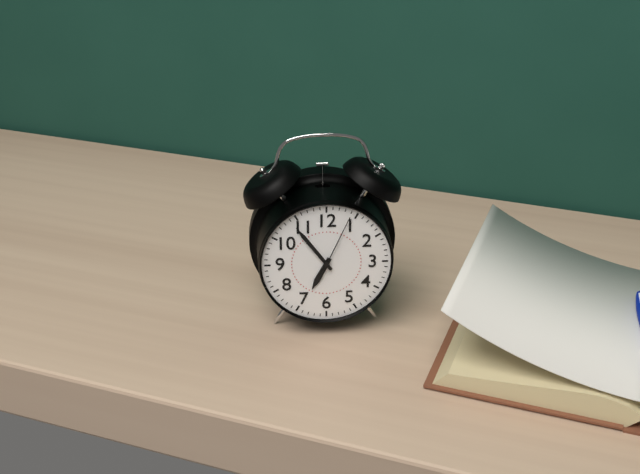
6,54,04
